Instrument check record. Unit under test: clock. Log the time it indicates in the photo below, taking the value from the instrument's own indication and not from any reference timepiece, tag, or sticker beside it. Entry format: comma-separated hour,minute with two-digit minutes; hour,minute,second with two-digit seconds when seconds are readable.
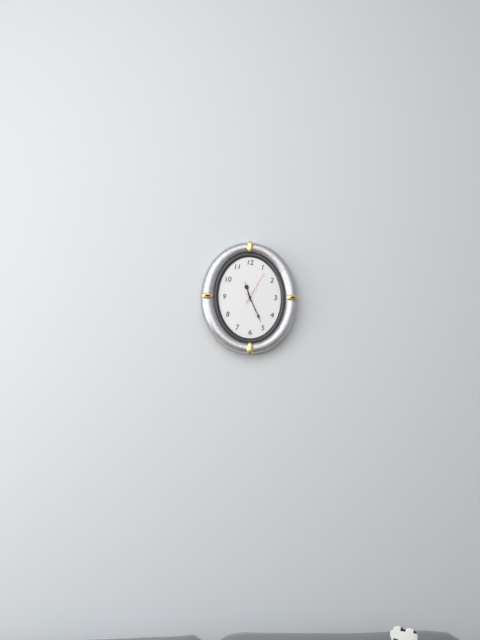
11,26
